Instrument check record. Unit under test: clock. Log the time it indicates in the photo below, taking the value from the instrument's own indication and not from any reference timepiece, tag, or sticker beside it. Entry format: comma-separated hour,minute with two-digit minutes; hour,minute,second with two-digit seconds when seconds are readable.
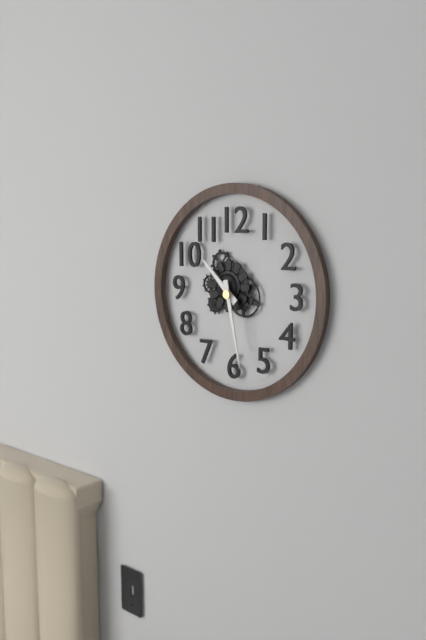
10,28
